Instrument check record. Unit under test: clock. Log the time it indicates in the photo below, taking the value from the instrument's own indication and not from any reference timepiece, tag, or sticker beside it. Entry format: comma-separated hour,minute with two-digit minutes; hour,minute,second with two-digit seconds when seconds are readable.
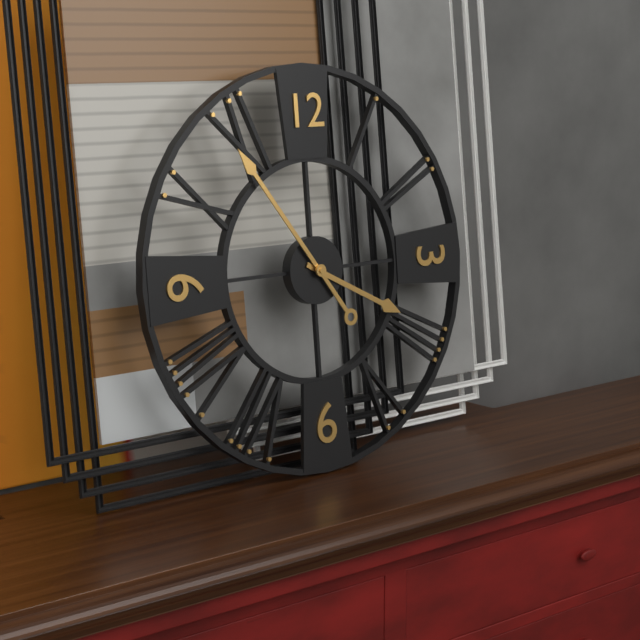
3,54
